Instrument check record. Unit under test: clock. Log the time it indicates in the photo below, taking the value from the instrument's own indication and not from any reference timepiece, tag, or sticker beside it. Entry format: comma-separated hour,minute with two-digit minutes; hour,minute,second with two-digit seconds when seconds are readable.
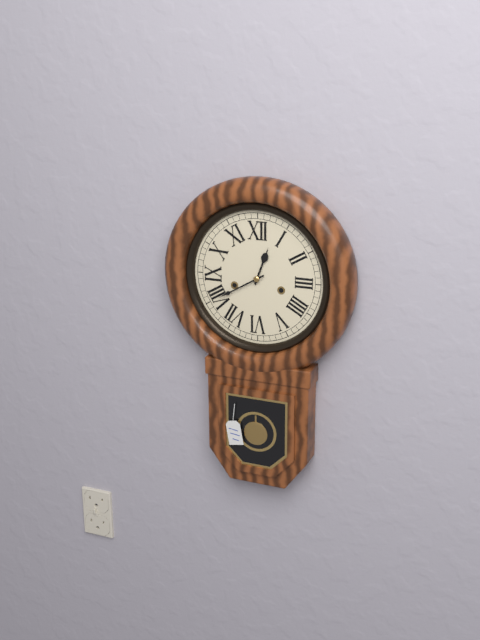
12,40
